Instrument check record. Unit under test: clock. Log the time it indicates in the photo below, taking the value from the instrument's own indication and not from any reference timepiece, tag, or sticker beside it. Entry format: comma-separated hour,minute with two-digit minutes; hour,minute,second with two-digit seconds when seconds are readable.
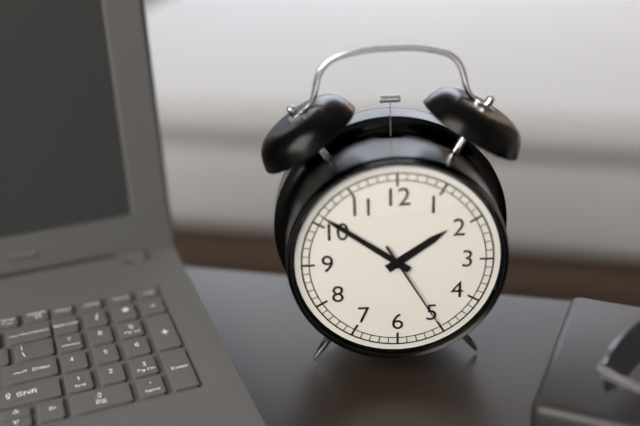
1,51,25
